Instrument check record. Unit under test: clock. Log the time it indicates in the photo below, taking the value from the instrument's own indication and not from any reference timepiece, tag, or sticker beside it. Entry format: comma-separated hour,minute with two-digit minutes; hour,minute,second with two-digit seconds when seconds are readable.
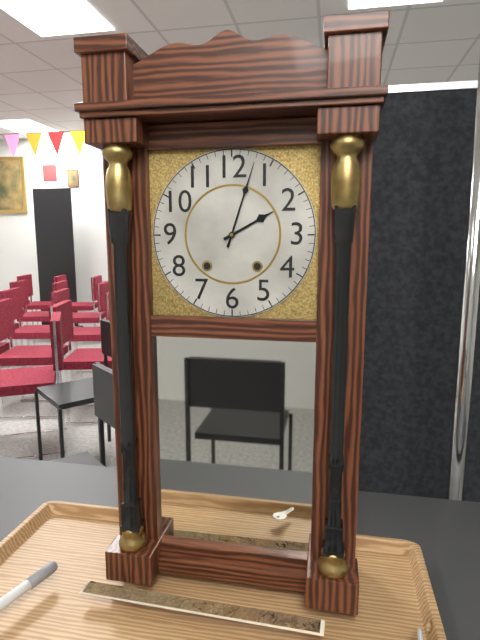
2,03
